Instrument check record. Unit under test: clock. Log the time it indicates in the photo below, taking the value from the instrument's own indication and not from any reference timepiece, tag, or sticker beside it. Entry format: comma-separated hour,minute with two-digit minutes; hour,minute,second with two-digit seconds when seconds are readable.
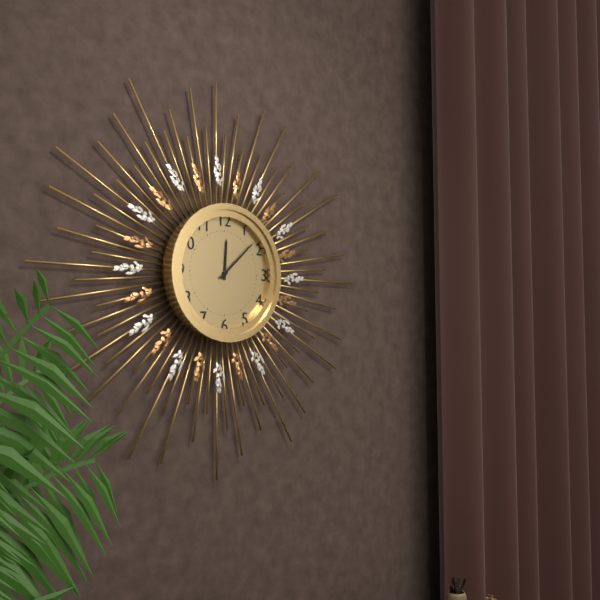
12,08
